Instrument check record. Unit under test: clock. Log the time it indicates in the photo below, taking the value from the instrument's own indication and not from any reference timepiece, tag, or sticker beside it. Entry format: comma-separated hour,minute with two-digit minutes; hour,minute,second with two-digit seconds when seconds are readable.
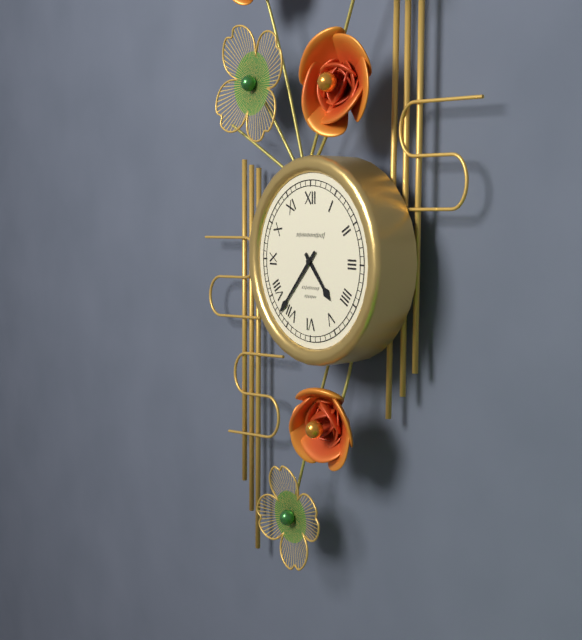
4,37
